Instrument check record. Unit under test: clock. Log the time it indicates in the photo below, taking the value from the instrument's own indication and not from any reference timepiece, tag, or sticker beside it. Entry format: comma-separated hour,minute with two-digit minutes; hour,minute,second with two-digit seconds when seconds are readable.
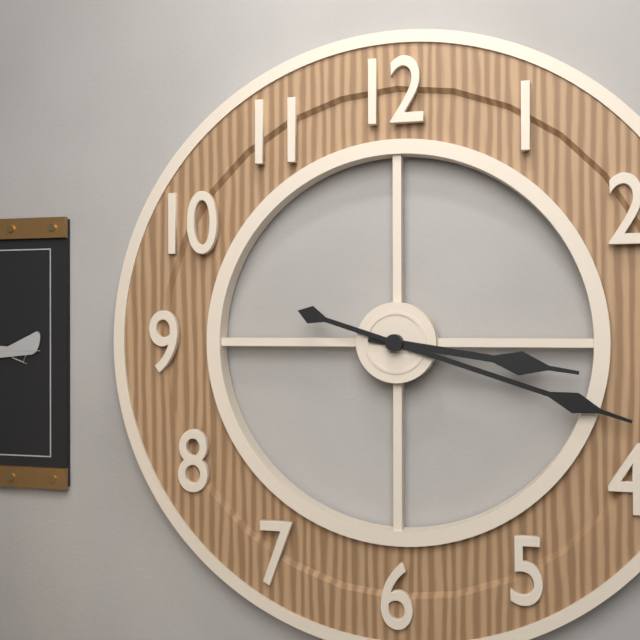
3,18
